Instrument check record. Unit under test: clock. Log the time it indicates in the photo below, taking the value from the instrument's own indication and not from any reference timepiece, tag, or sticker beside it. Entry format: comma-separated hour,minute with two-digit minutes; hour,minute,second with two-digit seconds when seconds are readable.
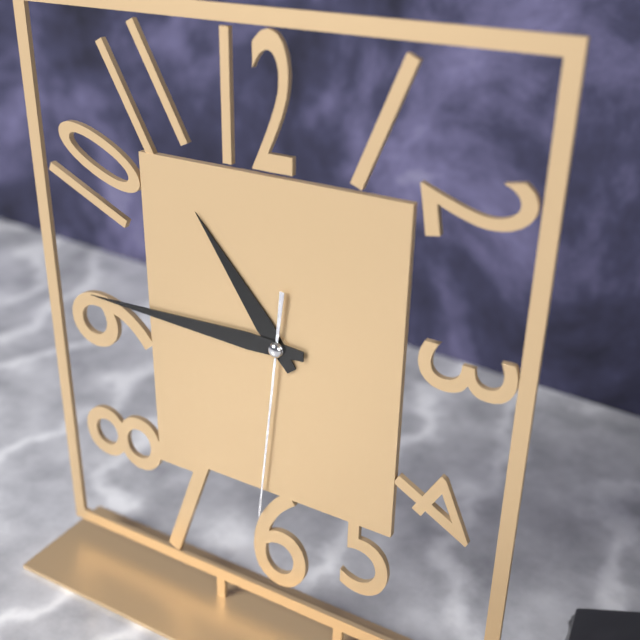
10,45,31
